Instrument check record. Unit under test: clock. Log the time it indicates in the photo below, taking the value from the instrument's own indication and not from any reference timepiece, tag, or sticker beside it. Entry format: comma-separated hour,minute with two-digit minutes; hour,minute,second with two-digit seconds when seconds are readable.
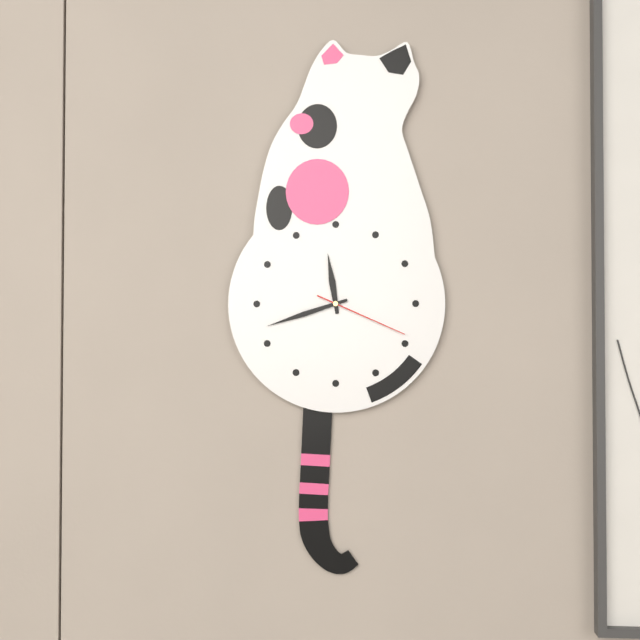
11,42,19
